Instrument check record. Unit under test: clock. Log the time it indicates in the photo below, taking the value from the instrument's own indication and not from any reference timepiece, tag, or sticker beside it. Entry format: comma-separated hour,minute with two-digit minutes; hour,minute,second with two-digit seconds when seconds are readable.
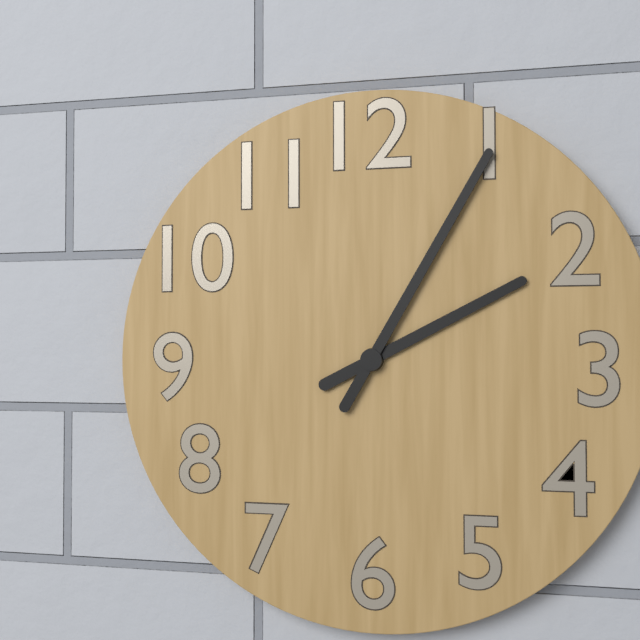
2,05
